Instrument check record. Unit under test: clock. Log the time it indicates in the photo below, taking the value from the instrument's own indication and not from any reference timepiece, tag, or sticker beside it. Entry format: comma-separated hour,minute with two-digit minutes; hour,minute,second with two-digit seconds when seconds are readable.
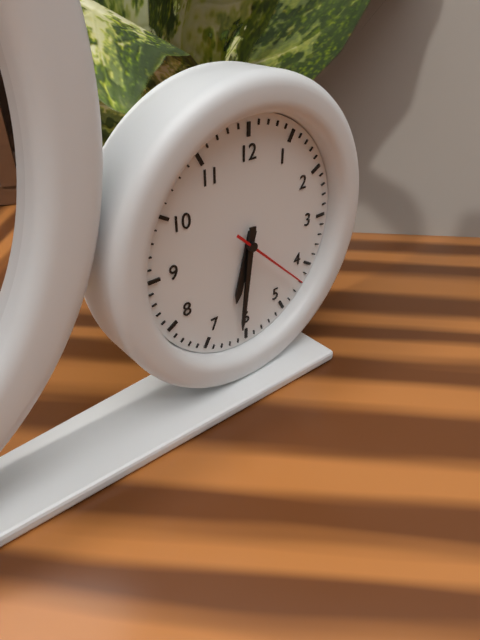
6,31,22
